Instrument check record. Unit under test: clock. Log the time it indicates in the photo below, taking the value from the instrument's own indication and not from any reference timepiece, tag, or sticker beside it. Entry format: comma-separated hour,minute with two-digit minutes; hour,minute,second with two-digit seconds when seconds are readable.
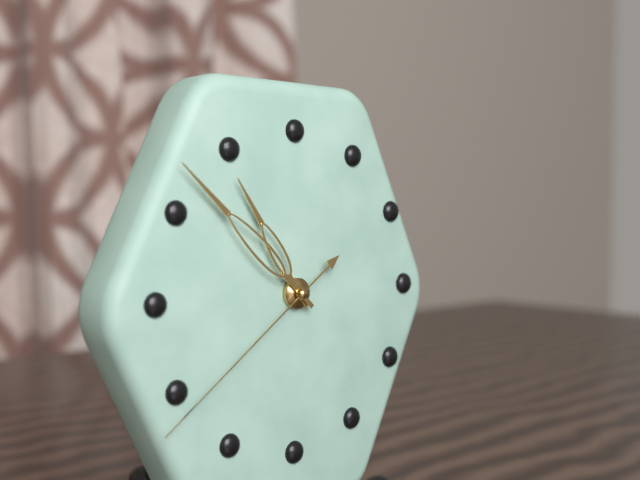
10,52,39
